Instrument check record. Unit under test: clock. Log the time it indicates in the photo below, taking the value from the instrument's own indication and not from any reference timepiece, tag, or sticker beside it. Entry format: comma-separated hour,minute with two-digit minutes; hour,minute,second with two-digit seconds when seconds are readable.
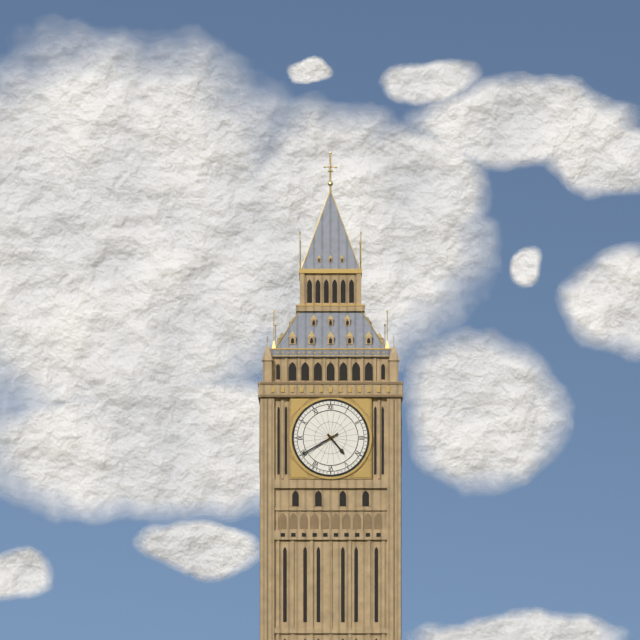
4,40
